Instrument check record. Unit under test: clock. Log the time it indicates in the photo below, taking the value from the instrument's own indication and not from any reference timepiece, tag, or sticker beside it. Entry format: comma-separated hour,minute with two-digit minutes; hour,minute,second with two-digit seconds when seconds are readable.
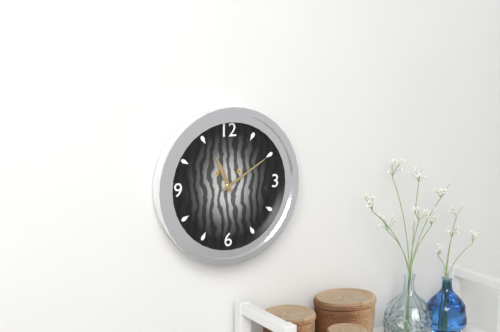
11,10
